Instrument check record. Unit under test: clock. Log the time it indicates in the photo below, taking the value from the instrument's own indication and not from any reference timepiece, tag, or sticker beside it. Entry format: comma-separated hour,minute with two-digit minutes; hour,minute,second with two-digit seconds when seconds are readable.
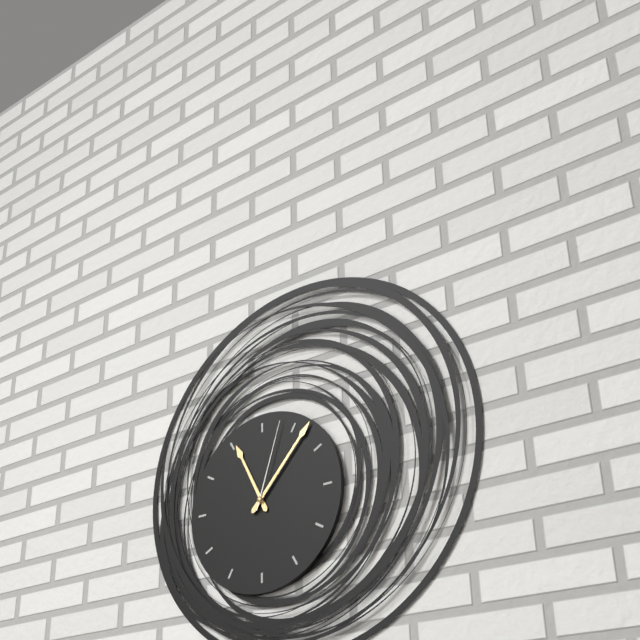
11,07,03
